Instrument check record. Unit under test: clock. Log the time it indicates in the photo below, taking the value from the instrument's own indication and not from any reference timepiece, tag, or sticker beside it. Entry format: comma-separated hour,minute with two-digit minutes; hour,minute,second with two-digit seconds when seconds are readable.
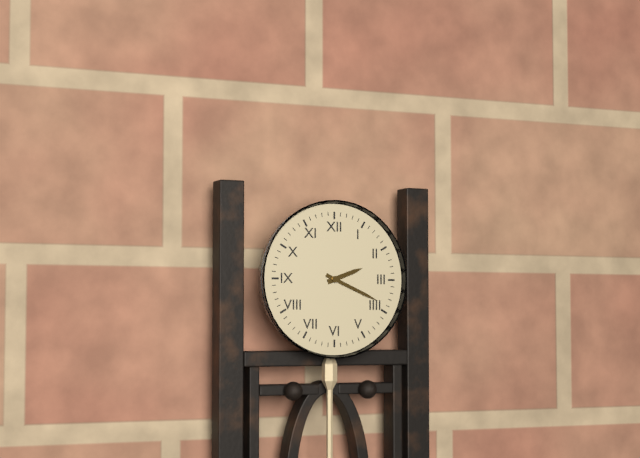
2,19
